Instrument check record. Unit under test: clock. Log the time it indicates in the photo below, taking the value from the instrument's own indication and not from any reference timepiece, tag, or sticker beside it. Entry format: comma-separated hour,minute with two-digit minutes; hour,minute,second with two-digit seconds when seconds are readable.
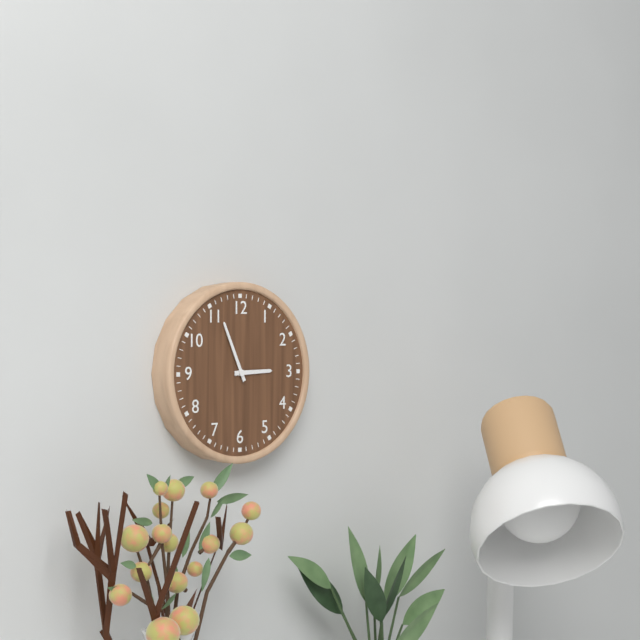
2,56
